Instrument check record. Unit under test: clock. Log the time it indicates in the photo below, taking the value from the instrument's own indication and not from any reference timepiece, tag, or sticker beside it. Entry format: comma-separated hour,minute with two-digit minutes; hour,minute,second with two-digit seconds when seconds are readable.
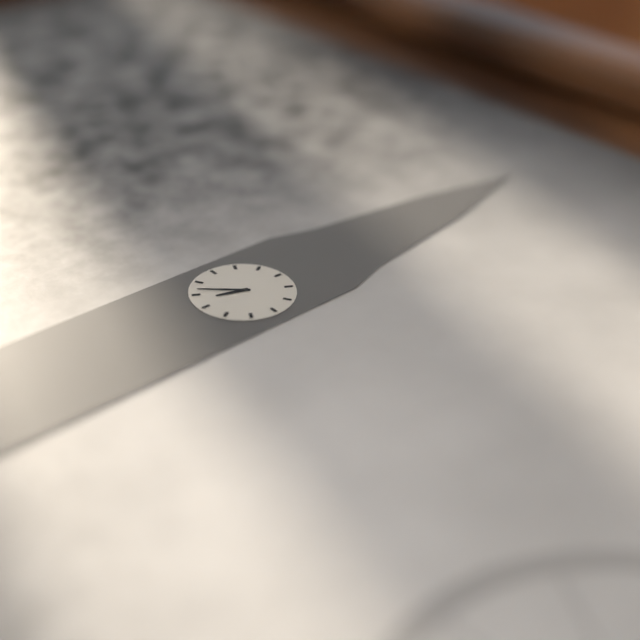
6,37
